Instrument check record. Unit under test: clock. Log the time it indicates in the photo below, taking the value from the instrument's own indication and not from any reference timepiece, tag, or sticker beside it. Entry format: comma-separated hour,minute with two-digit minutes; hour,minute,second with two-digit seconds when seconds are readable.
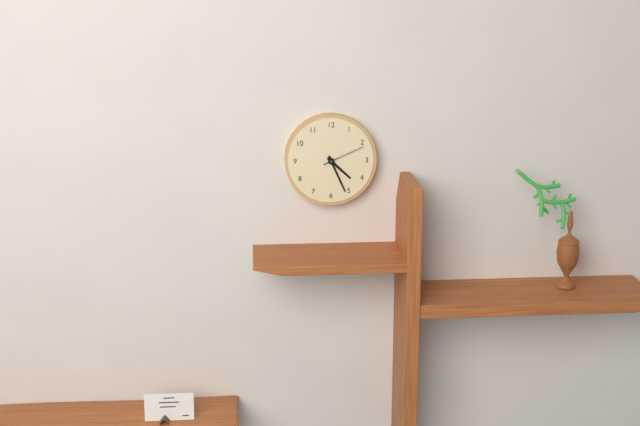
4,26
